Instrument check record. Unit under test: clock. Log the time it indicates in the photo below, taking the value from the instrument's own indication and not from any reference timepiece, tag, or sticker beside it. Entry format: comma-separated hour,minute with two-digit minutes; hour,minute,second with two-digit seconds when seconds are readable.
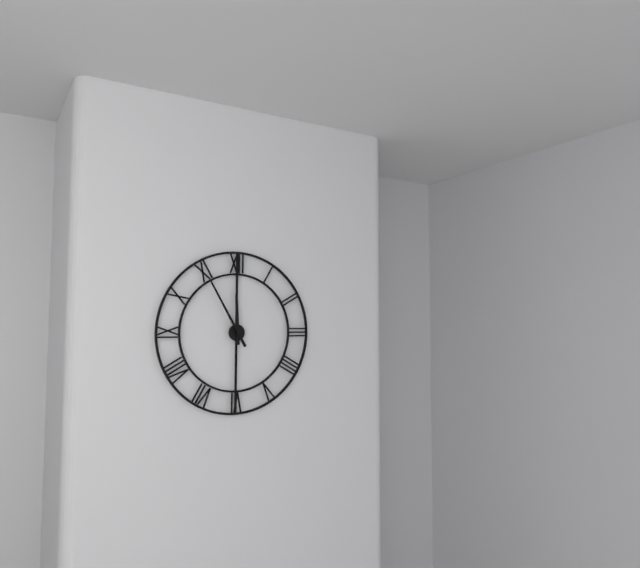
11,55
